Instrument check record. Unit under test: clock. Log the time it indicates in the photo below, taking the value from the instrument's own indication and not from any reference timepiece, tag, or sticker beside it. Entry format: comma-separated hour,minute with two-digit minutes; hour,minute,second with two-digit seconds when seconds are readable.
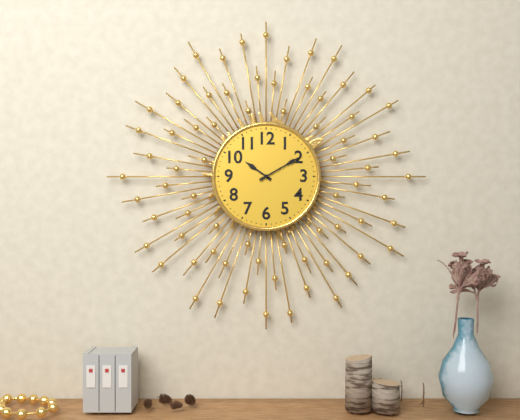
10,10
